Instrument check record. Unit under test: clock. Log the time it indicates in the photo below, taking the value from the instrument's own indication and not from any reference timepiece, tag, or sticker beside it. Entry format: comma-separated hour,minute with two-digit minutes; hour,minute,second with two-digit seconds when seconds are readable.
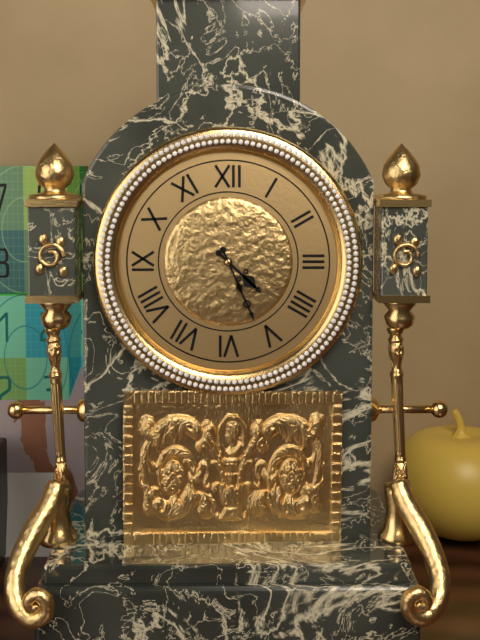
4,26
